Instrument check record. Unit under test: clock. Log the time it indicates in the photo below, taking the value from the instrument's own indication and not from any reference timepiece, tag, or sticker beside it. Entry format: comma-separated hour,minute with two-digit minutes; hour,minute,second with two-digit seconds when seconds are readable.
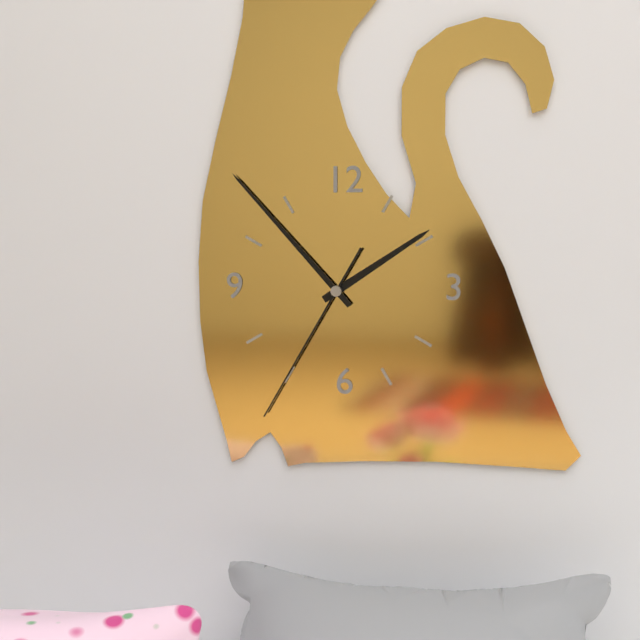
1,53,35
